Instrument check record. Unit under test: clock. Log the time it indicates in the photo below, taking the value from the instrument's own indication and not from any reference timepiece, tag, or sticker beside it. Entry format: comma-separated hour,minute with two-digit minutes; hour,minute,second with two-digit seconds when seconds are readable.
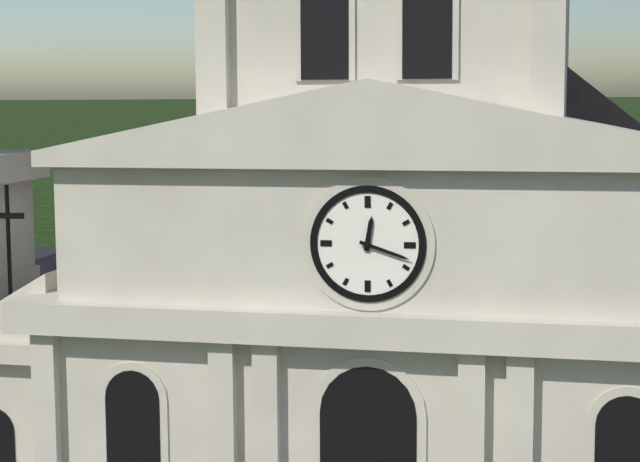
12,18
